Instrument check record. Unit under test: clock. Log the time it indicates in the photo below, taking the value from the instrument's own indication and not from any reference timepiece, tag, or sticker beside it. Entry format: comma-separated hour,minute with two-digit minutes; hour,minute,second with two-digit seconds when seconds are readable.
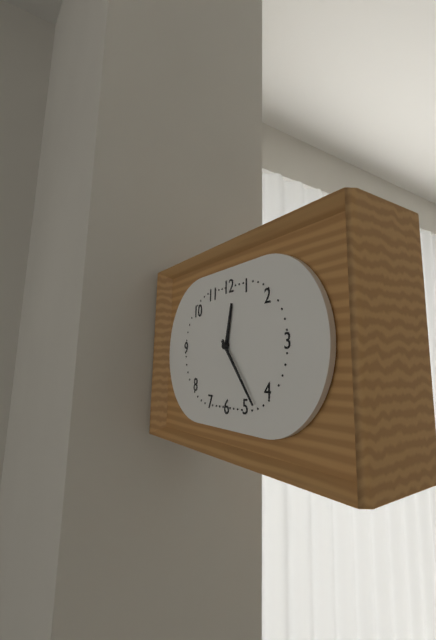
12,23
